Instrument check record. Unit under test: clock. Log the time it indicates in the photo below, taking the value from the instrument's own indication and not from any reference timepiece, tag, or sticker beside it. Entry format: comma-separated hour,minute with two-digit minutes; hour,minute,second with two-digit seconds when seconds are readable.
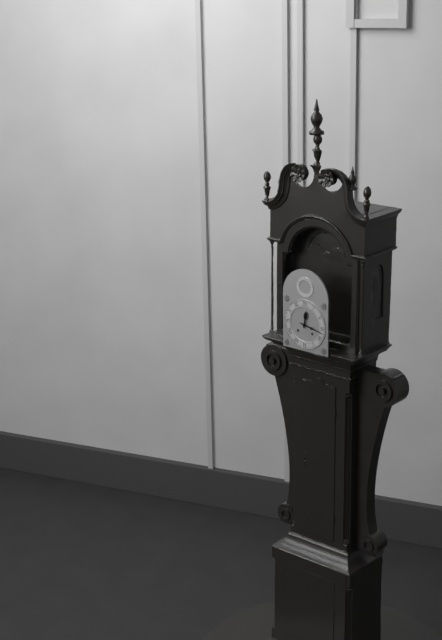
12,17
